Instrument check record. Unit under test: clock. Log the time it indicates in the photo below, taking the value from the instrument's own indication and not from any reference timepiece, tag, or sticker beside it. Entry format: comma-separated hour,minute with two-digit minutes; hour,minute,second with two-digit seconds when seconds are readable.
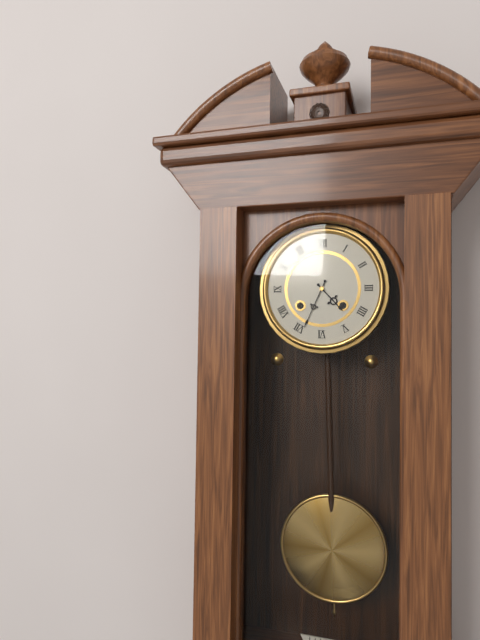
4,34
